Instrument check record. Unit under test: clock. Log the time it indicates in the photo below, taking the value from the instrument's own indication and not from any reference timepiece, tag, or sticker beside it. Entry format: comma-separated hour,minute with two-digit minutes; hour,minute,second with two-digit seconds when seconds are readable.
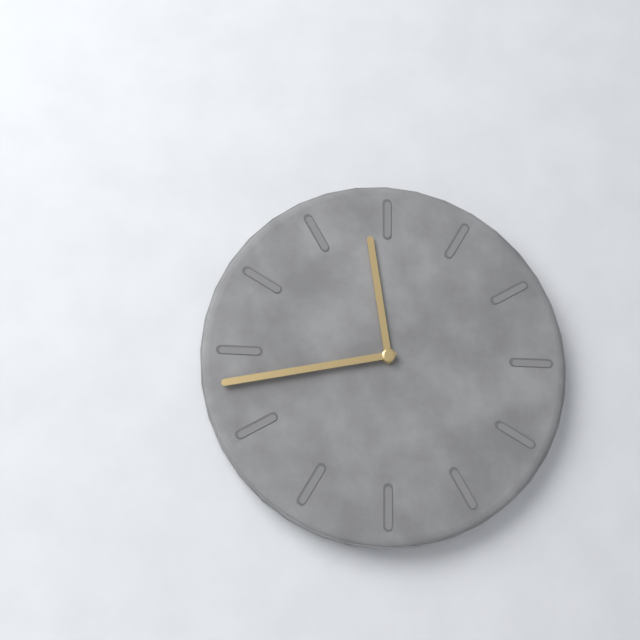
11,43
